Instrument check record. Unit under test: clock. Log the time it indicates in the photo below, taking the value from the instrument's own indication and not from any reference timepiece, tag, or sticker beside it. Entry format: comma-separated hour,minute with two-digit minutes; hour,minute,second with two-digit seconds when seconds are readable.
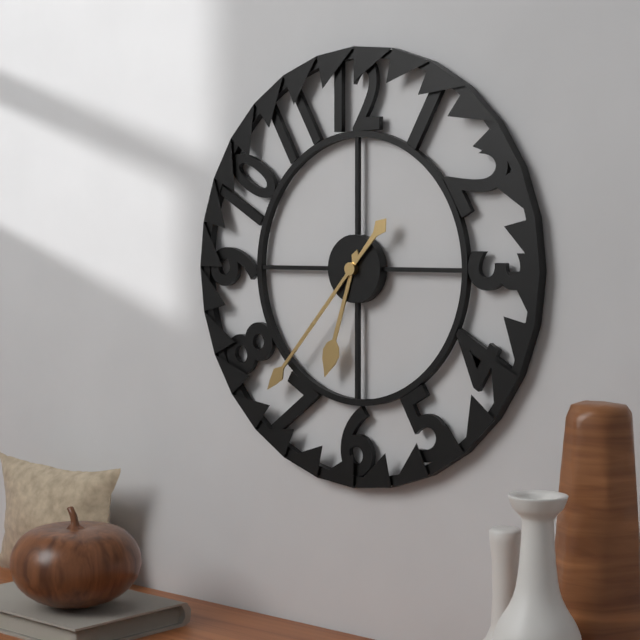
6,37
